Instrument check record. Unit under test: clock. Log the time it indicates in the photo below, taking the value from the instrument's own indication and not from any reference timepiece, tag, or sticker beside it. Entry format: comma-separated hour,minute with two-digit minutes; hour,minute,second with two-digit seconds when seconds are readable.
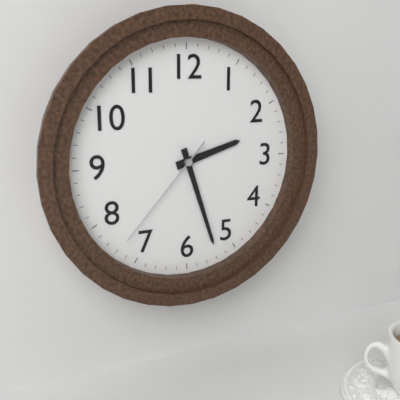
2,27,37
